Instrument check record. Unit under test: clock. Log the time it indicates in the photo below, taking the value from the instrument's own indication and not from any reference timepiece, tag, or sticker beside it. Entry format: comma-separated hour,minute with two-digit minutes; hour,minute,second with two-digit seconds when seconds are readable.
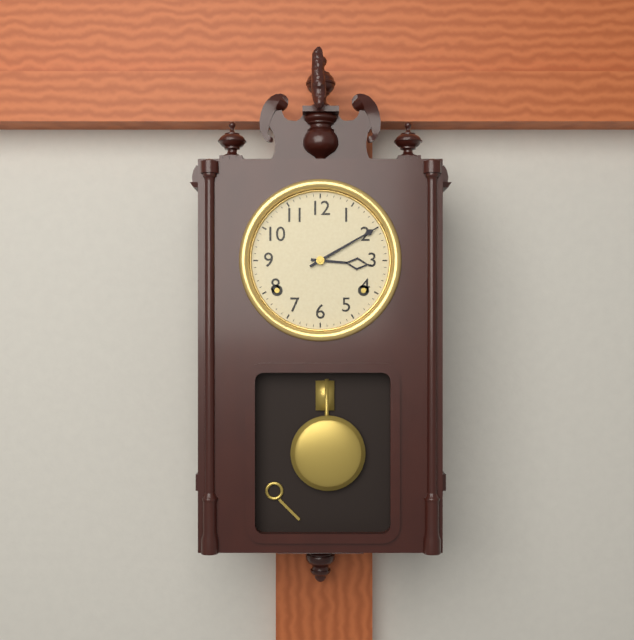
3,10
